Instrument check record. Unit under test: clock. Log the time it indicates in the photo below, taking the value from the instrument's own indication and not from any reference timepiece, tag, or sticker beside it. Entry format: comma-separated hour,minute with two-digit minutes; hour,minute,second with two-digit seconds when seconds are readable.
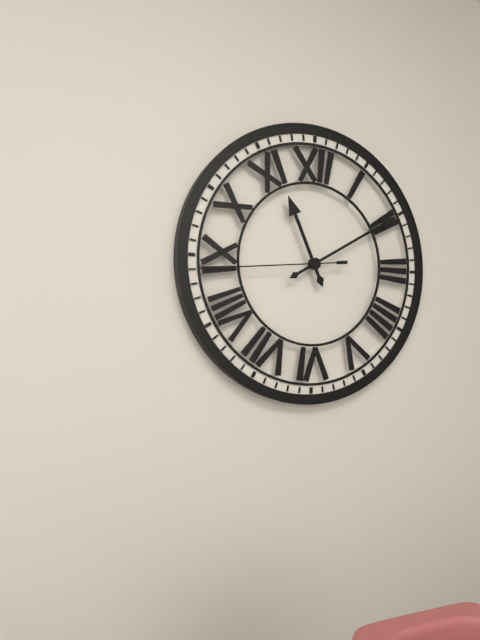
11,10,44
